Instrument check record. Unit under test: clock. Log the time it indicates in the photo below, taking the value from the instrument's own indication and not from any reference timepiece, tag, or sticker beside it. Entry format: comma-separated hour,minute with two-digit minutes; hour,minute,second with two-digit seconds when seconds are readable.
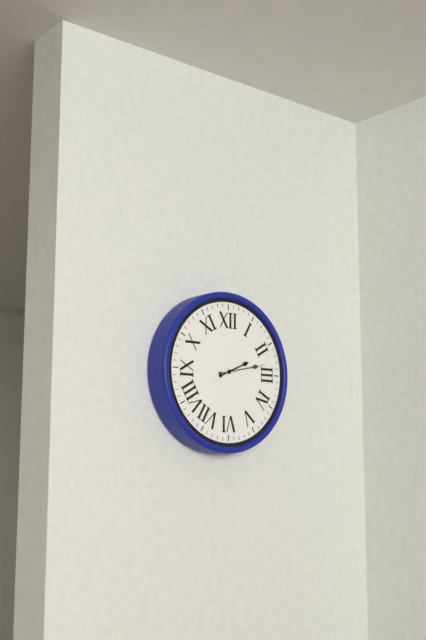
2,13
